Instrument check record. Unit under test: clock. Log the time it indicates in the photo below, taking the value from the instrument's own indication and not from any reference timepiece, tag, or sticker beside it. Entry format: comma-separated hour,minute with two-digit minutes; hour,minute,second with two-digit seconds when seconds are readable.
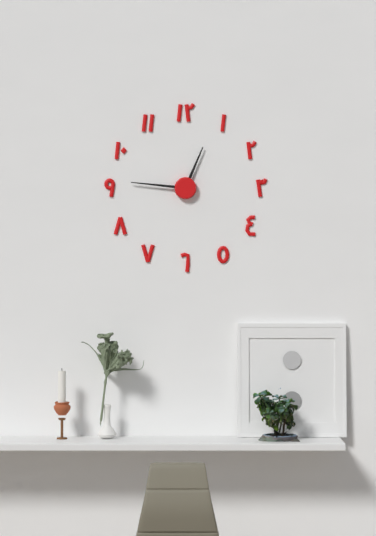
12,46
